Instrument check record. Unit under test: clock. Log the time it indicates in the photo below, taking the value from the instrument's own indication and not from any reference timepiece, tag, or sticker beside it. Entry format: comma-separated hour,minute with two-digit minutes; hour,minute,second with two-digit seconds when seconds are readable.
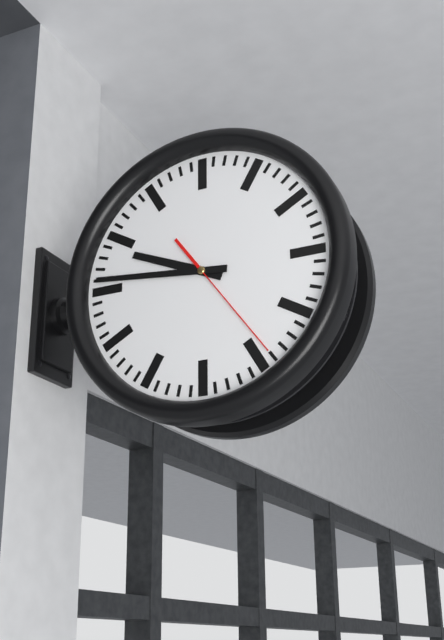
9,46,24
